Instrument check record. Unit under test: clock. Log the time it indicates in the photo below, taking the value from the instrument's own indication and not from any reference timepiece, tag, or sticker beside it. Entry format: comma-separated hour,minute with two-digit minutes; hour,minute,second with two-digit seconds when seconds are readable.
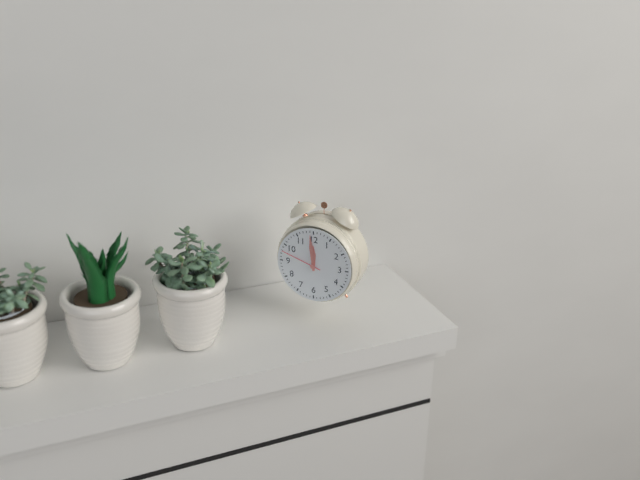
11,59
